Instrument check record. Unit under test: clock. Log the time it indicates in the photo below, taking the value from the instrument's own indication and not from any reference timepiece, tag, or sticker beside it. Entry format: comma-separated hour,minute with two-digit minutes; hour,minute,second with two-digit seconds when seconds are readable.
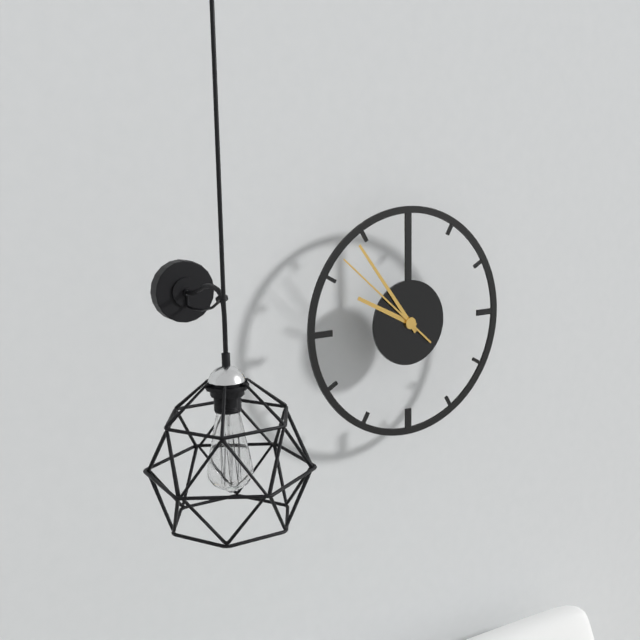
9,54,52
